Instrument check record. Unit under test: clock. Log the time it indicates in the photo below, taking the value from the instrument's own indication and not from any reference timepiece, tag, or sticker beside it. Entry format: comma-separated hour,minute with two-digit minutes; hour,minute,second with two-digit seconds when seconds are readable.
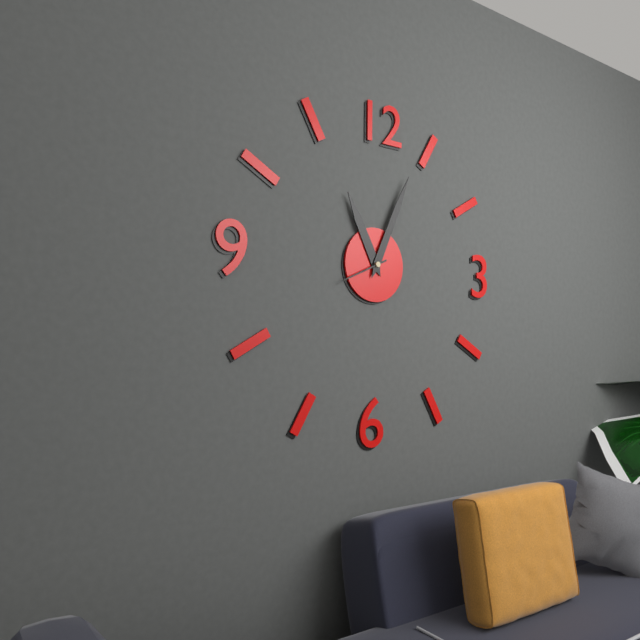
11,04
